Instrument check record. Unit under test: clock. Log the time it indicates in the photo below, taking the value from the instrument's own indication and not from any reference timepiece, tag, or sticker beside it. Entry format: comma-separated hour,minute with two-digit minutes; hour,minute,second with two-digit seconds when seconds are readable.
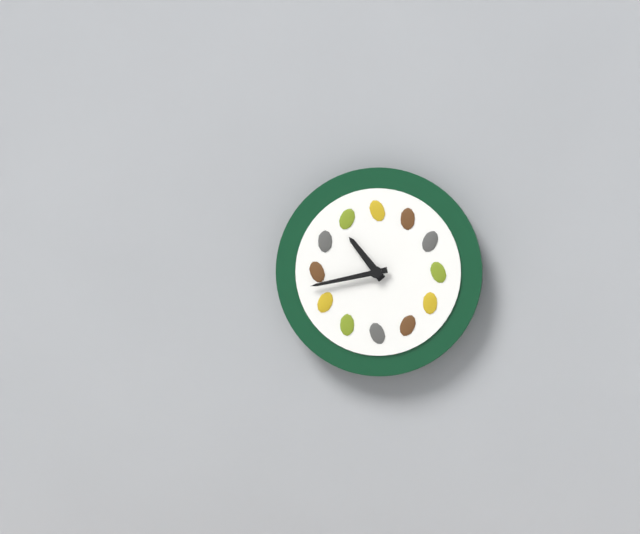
10,43
